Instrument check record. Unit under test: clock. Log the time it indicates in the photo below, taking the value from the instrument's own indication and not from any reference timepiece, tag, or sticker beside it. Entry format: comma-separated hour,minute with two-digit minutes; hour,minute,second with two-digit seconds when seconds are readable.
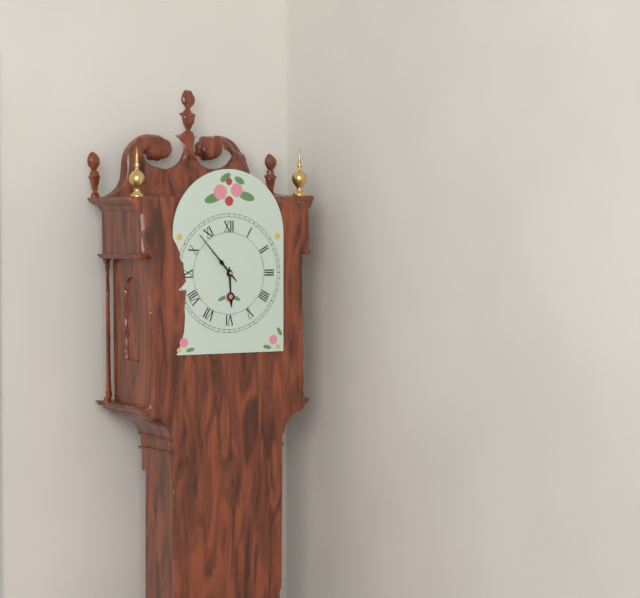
5,53
